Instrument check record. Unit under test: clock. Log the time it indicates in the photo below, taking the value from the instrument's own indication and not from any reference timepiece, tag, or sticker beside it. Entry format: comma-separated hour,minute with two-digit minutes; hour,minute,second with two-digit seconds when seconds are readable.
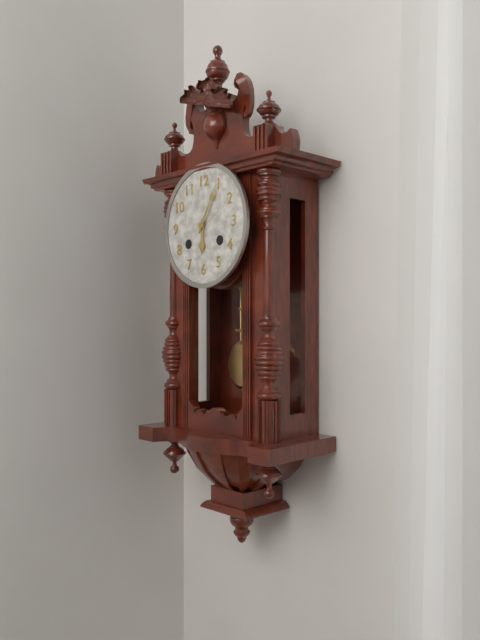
6,05
